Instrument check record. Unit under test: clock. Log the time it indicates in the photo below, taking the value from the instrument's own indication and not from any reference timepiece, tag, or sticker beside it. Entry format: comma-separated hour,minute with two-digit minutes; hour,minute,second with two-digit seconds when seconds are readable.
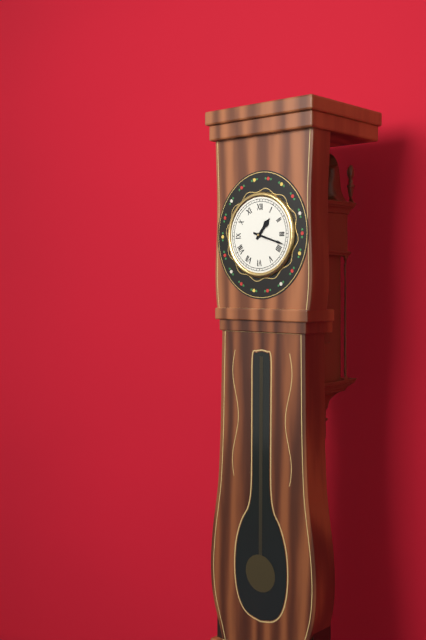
1,18
